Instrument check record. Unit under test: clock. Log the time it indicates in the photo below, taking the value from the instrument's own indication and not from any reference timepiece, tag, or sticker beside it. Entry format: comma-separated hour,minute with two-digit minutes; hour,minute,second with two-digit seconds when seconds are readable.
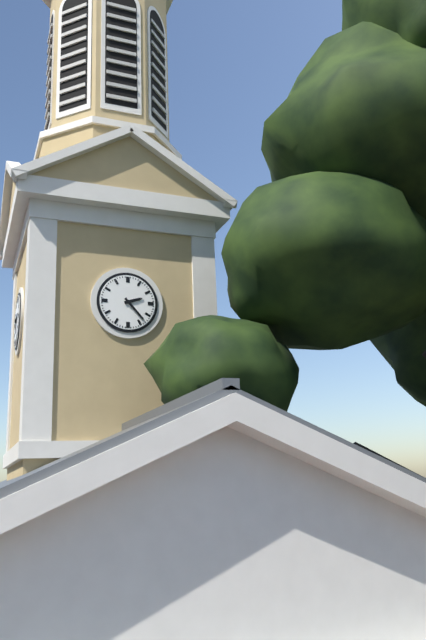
2,23
